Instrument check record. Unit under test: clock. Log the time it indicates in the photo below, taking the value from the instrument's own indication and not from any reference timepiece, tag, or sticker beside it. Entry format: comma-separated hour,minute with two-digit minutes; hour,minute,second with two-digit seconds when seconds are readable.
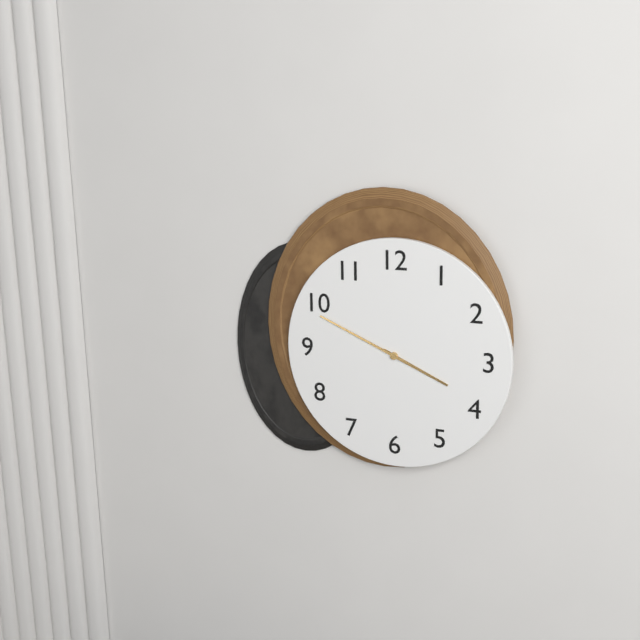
3,49
